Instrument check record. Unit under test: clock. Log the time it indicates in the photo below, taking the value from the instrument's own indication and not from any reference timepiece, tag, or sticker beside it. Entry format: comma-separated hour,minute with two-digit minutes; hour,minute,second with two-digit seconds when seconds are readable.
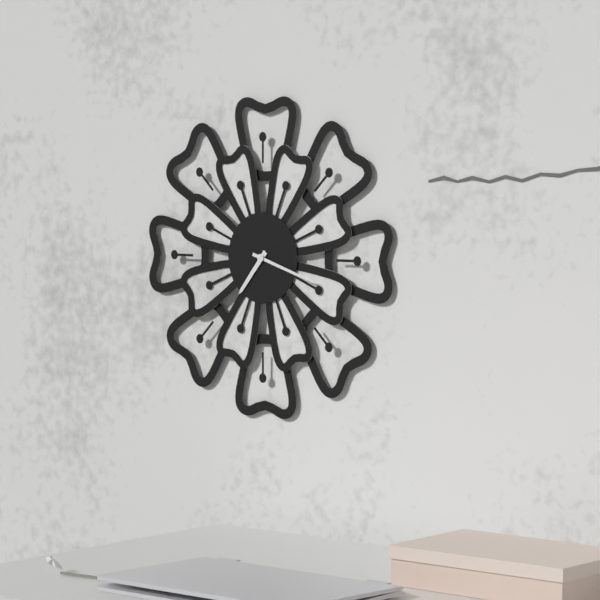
7,18
